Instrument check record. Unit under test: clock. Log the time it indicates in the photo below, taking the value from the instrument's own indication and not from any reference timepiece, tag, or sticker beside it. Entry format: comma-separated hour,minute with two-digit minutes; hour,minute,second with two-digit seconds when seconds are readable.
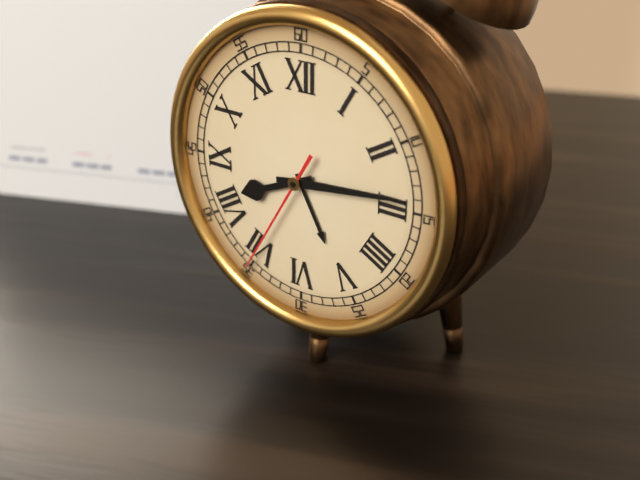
8,14,35
